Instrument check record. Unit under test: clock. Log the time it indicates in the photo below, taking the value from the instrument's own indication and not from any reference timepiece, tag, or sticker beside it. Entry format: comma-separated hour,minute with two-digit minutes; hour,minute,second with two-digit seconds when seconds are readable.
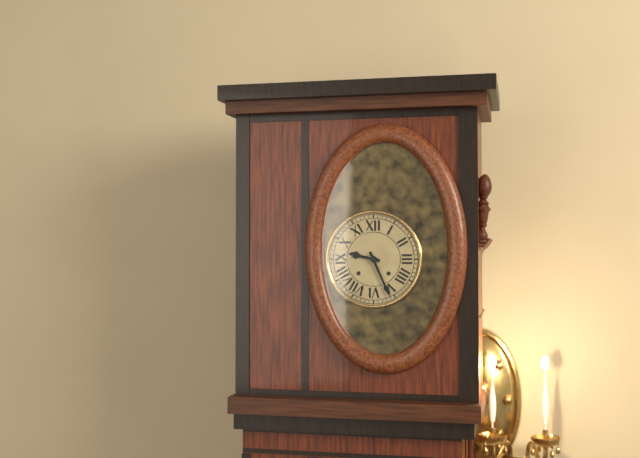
9,26
